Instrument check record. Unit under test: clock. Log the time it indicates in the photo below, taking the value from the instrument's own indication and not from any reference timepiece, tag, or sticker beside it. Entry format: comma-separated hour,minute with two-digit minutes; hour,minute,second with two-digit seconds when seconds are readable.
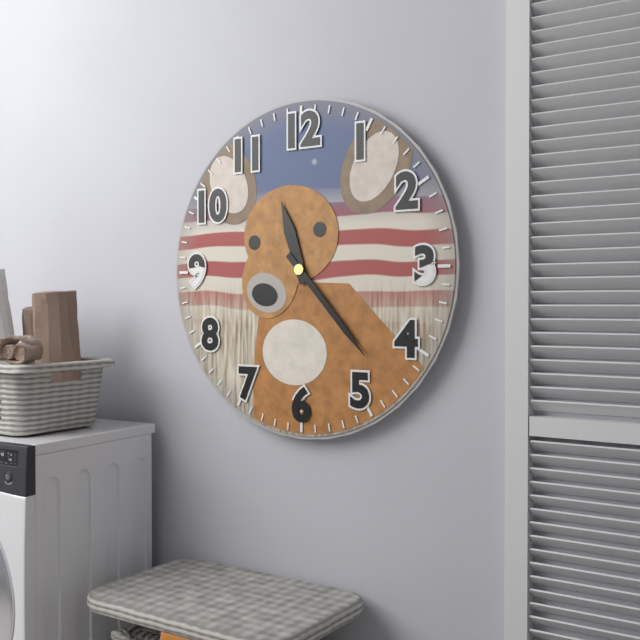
11,23
